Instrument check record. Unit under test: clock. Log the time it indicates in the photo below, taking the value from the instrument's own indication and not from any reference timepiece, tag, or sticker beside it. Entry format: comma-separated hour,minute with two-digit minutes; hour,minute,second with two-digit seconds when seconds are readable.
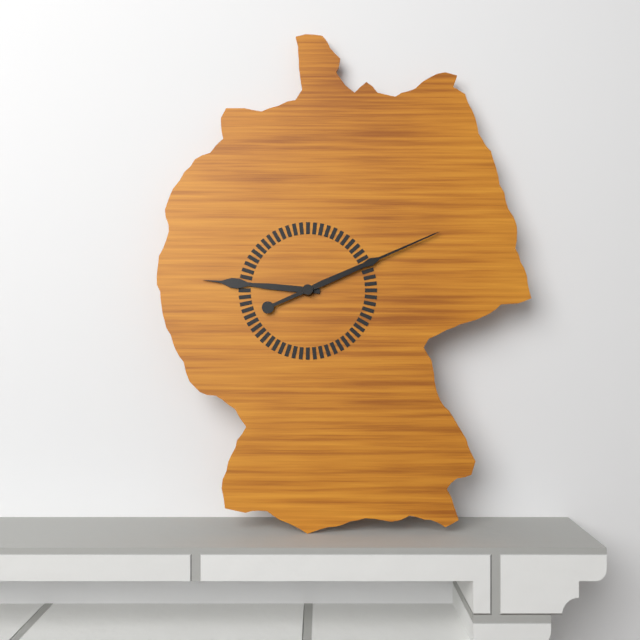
9,11
